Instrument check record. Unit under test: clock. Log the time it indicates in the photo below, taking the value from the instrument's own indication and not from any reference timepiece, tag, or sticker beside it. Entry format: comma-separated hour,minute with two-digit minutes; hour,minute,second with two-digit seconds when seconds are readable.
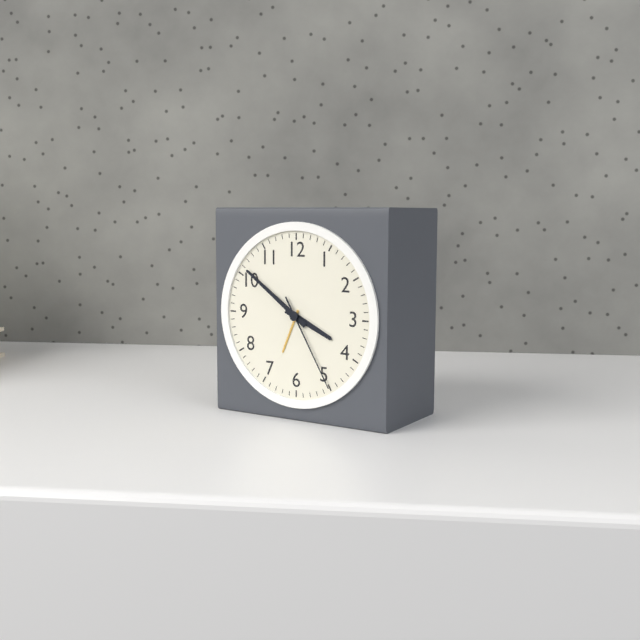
3,51,25
